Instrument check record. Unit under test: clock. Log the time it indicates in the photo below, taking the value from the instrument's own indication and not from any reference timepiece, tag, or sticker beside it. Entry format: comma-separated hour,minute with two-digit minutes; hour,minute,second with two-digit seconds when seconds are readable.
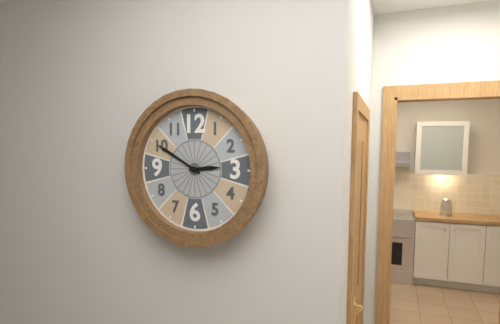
2,50
